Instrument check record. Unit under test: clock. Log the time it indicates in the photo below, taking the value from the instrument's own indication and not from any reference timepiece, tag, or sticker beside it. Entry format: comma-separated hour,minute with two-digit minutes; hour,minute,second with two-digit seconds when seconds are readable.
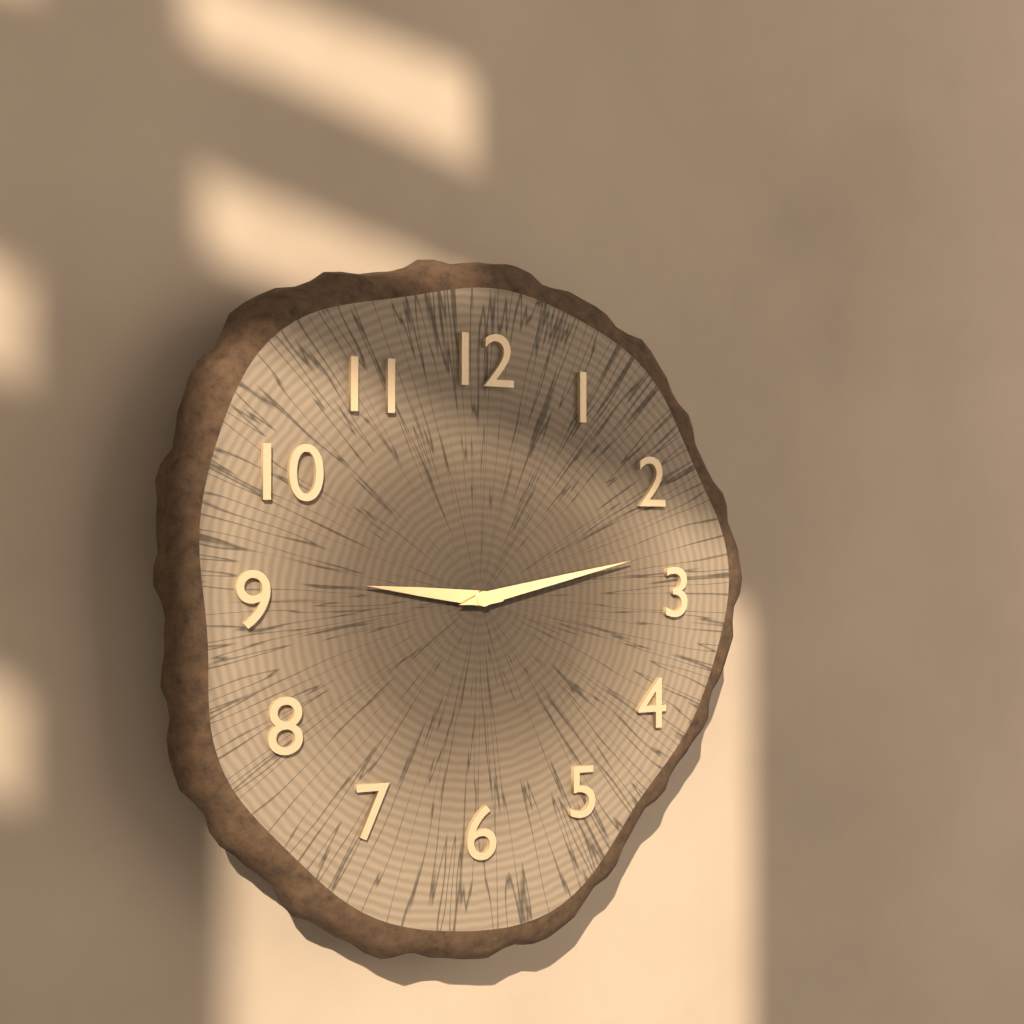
9,13
